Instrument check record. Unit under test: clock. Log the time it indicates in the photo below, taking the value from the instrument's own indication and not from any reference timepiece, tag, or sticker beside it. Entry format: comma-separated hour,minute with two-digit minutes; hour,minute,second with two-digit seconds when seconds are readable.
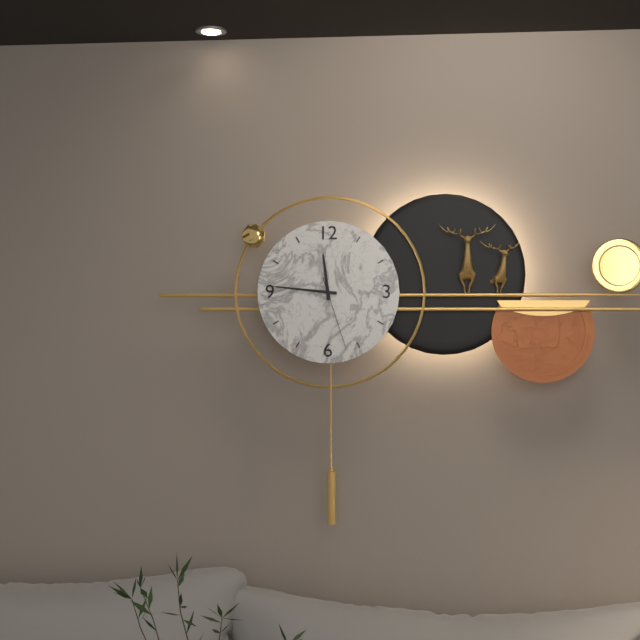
11,46,27
